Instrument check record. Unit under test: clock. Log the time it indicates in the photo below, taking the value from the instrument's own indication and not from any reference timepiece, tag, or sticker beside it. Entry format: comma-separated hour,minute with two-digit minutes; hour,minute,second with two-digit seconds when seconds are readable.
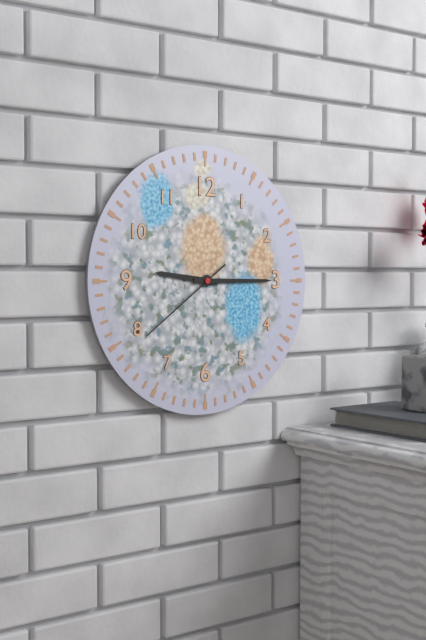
9,15,39
